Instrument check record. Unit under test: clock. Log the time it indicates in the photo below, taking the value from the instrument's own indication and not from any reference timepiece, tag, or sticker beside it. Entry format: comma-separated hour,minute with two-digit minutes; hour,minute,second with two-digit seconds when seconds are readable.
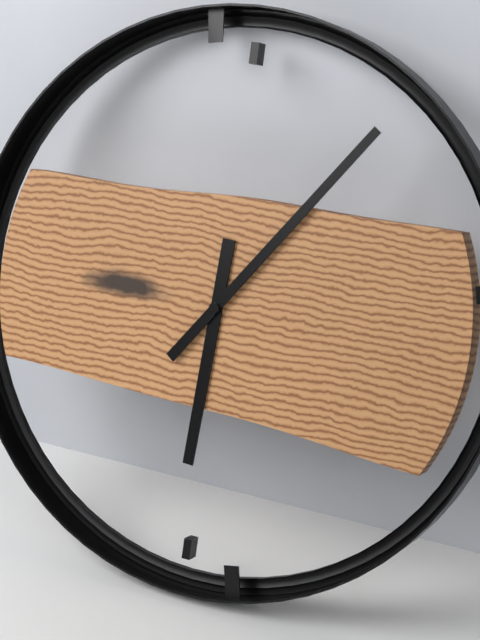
6,06
